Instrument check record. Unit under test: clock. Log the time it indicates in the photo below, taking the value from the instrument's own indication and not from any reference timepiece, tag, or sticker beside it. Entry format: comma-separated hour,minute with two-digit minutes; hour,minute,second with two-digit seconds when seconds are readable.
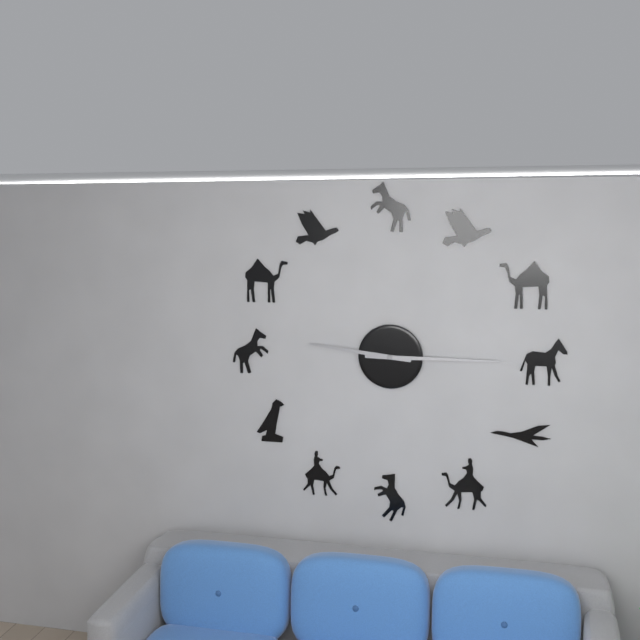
9,15
